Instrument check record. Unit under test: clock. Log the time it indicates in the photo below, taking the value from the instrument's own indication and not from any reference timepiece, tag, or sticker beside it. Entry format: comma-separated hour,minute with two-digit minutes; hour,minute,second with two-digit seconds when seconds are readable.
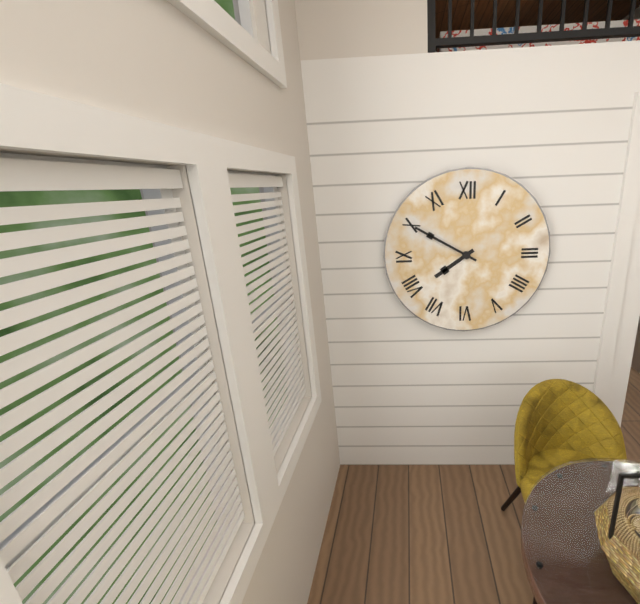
7,50
